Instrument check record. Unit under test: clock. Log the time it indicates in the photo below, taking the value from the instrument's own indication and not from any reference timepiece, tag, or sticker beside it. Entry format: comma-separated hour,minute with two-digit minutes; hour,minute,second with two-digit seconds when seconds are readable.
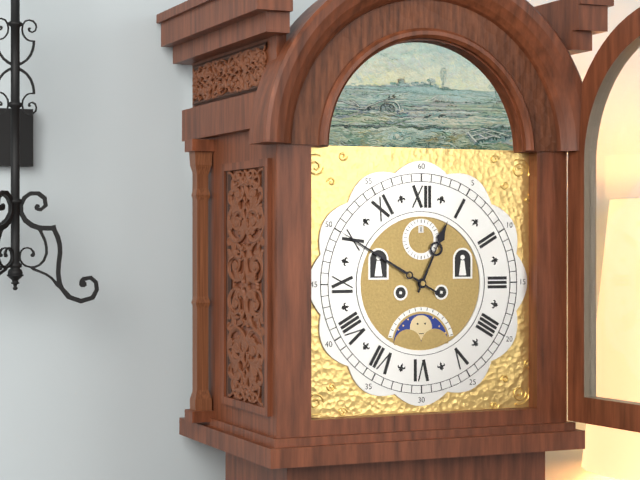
12,50
